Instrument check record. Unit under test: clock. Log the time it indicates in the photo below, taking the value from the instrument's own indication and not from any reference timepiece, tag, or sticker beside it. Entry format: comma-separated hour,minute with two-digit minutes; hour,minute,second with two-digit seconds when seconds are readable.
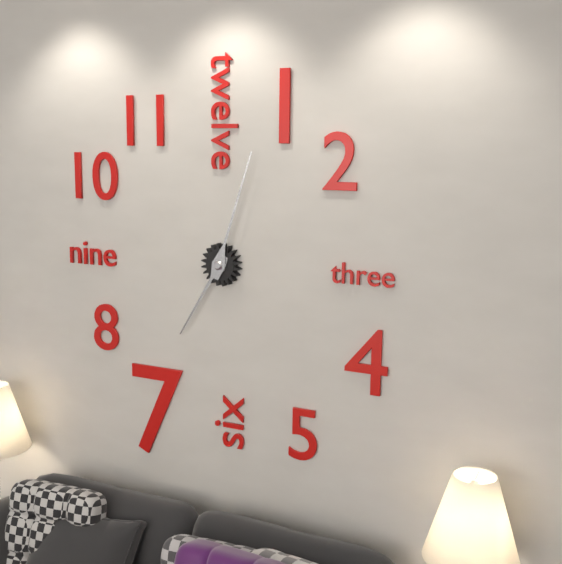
7,03
